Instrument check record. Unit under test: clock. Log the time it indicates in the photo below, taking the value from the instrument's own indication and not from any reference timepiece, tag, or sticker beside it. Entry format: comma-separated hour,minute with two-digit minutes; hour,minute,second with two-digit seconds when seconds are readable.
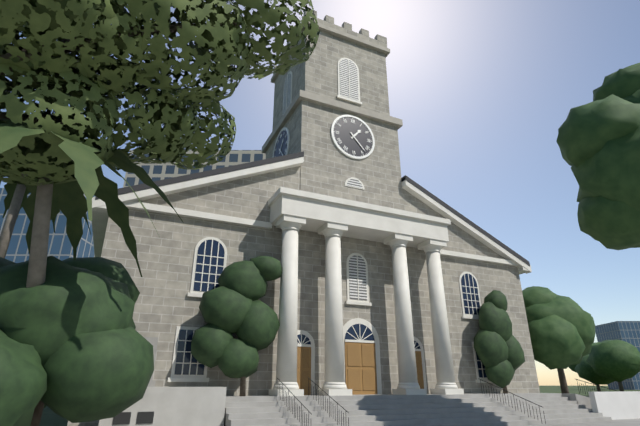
1,23
